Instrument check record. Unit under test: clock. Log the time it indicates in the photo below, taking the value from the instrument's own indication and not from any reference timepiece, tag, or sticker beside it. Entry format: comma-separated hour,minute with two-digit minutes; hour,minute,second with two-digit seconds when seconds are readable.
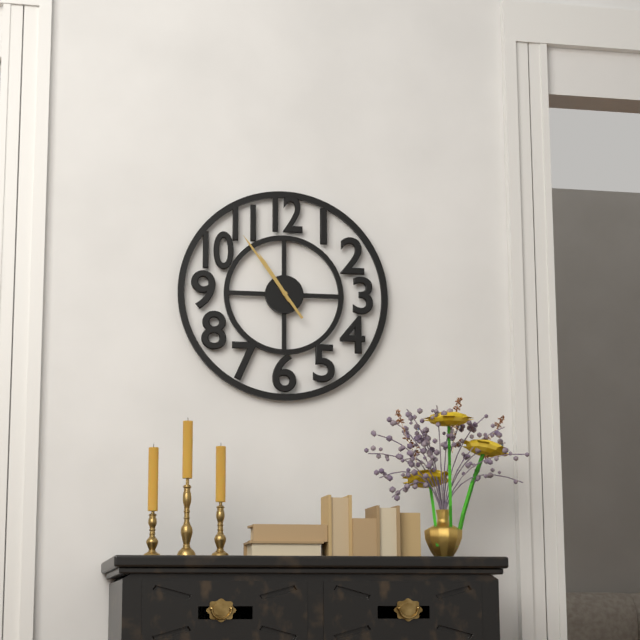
10,54
